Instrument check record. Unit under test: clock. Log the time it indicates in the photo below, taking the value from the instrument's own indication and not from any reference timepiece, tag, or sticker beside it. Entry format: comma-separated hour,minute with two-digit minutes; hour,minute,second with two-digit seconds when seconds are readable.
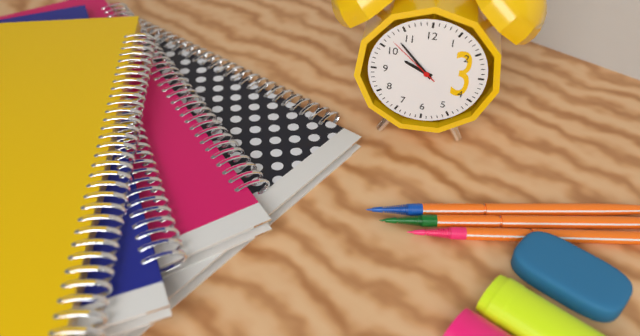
9,53,52
